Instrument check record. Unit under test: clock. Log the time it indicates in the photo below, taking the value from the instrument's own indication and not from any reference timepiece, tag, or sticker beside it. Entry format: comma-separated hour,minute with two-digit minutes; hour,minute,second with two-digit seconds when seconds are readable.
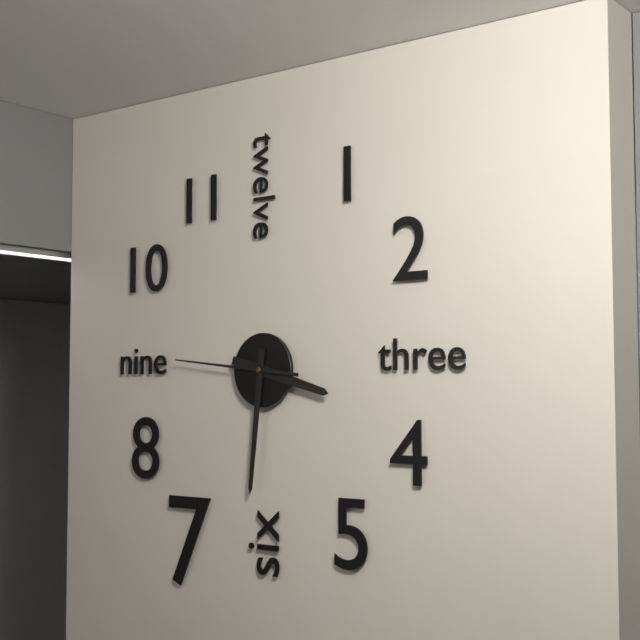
3,31,46
